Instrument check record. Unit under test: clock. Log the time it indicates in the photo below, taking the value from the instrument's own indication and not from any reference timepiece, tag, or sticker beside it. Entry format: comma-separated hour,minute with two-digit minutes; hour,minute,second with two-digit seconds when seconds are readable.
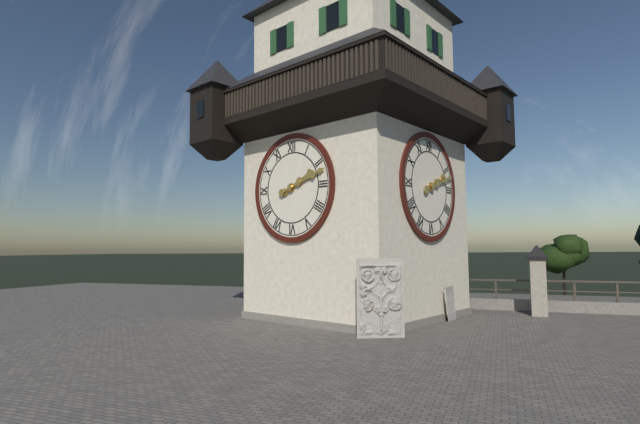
2,12
